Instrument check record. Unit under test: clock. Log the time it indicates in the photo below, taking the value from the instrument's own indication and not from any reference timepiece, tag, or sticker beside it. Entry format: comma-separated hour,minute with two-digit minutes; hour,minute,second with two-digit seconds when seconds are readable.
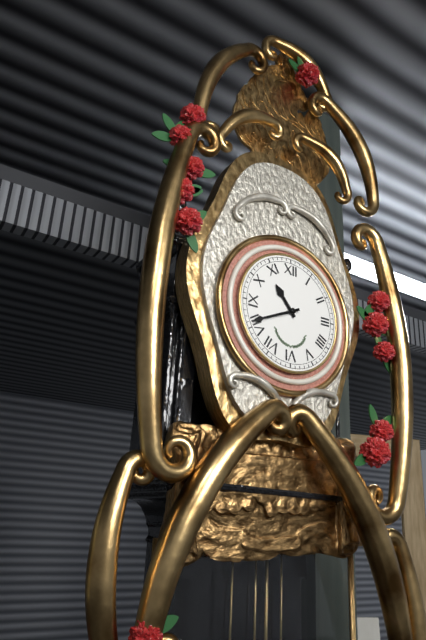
10,41
